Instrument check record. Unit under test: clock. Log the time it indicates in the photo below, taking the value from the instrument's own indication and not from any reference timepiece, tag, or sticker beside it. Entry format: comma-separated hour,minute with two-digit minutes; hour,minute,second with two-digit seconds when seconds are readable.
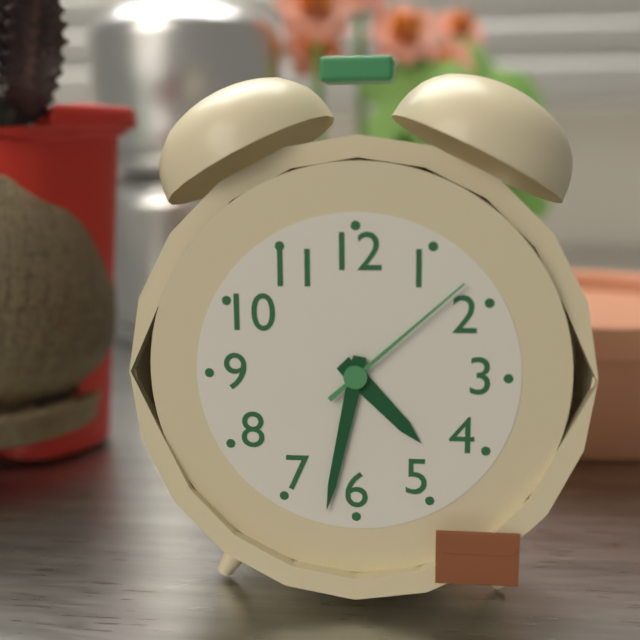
4,32,08
